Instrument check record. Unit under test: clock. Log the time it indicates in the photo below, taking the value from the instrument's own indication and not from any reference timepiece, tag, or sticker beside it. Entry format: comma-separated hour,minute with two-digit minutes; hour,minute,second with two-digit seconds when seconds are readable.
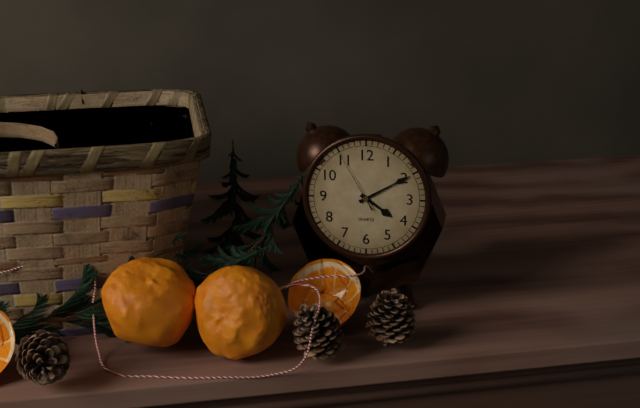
4,10,55
